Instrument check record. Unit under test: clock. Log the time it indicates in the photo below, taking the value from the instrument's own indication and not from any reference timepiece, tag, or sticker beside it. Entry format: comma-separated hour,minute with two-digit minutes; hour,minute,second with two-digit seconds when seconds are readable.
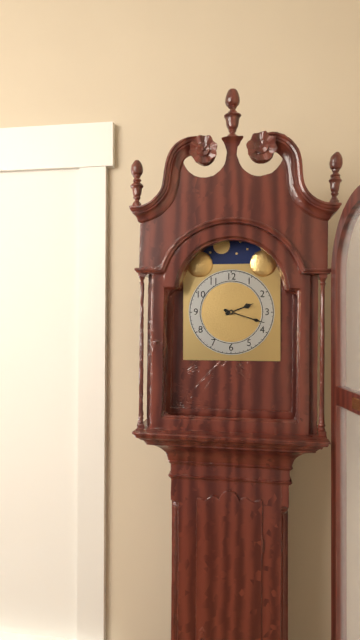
2,18
